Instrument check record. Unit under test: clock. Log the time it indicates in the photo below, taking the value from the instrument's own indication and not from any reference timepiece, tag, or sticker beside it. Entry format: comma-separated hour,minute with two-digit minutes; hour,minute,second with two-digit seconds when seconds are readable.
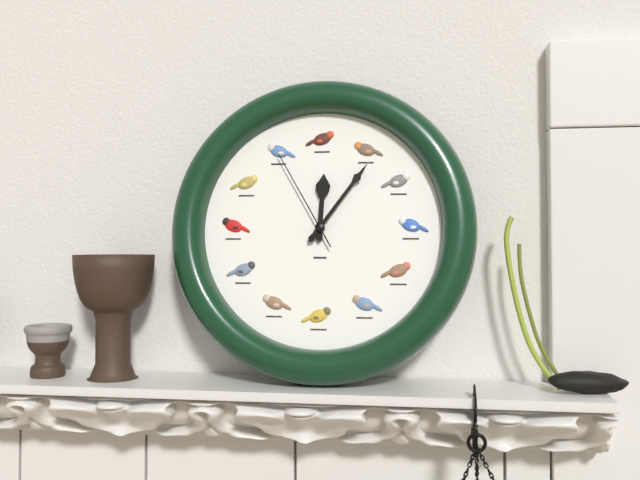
12,06,55
